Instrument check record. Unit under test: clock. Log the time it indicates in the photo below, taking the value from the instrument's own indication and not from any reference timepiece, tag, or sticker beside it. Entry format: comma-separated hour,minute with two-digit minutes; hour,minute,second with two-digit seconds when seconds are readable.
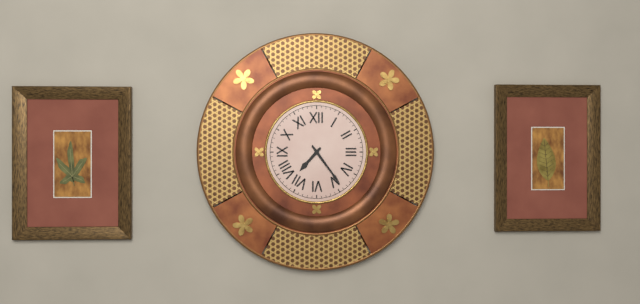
7,24
